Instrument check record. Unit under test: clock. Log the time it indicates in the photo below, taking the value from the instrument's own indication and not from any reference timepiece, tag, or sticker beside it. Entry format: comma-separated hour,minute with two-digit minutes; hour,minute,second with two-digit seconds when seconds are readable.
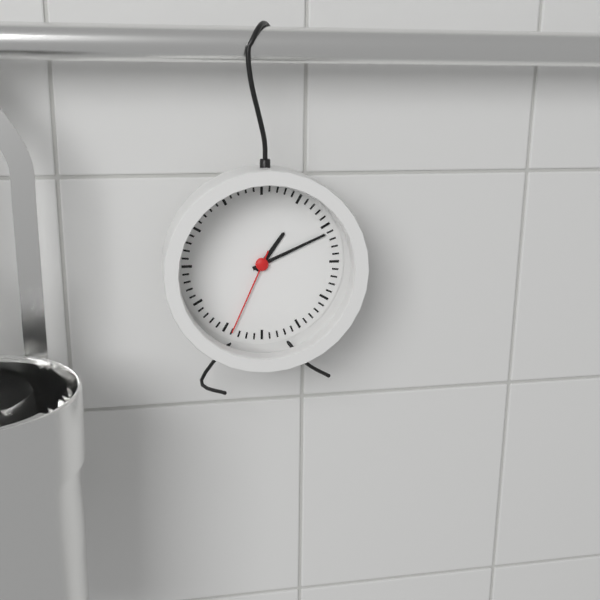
1,11,34
